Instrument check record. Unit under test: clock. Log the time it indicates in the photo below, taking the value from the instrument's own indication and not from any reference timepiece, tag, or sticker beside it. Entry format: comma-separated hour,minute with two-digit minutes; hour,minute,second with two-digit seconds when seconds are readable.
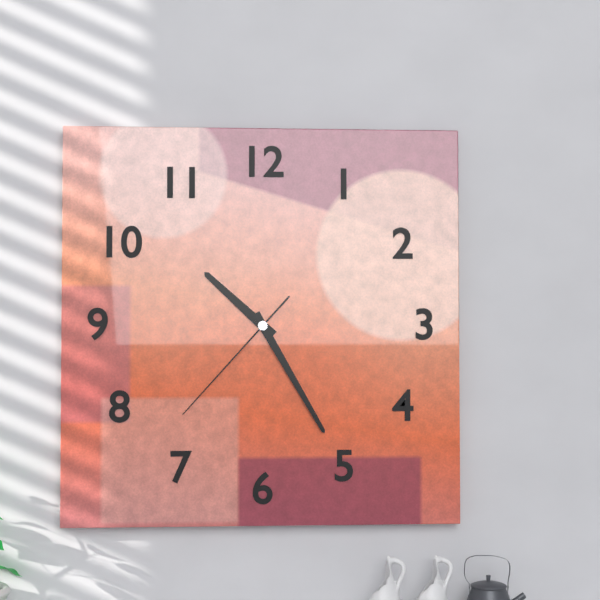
10,25,37
